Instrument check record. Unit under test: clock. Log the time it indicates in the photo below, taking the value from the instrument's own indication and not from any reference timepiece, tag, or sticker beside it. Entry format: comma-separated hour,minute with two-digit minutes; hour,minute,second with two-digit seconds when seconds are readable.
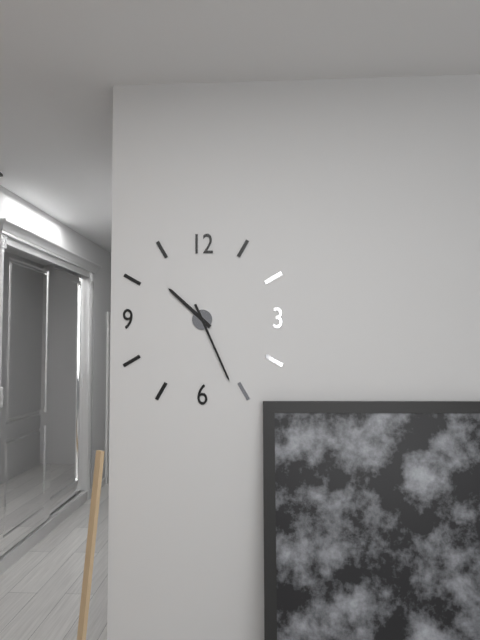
10,26
